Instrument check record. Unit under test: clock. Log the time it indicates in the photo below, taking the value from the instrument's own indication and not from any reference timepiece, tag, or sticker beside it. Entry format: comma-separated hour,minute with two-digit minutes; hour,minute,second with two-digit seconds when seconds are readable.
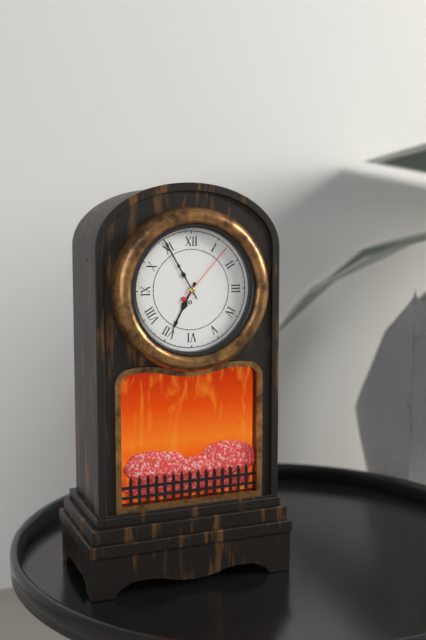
6,55,07
